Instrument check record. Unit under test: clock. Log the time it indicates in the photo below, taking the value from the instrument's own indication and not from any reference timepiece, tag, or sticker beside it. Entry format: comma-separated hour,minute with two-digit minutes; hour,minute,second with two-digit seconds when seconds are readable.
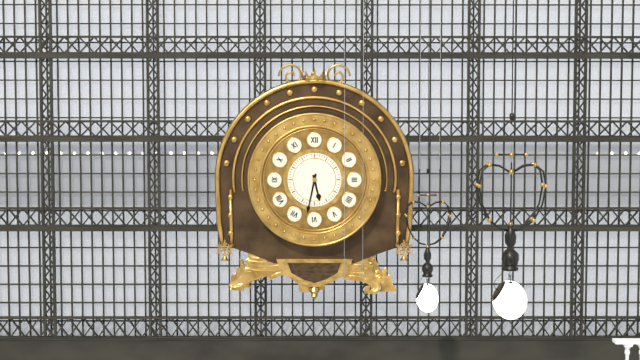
5,32
